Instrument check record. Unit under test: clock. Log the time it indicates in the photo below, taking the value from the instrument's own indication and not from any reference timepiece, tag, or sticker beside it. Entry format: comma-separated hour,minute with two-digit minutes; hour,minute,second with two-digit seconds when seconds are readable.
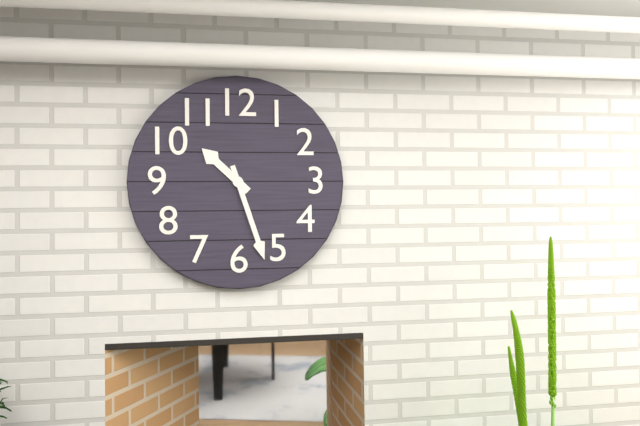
10,27
